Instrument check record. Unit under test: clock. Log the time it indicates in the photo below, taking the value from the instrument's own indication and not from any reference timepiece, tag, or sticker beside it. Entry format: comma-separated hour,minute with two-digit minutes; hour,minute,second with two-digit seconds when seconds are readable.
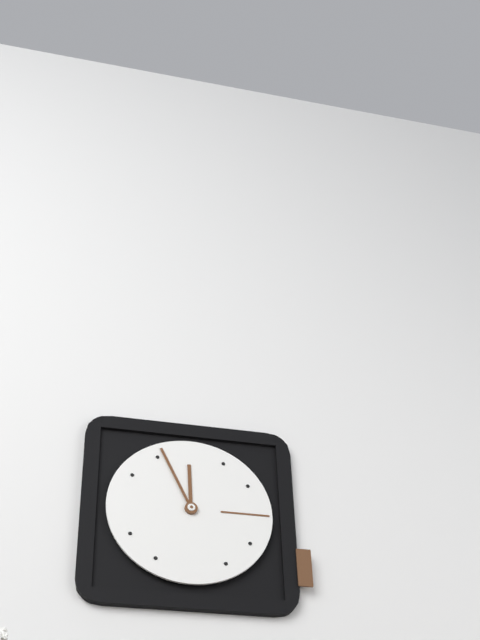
11,56
